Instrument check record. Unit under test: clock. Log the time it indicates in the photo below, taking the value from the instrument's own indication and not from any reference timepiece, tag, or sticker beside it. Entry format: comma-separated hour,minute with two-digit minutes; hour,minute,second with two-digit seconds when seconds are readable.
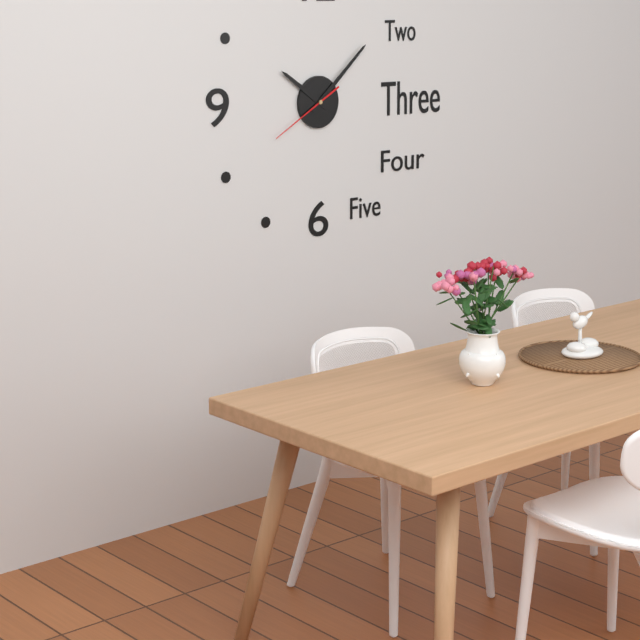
10,08,40
